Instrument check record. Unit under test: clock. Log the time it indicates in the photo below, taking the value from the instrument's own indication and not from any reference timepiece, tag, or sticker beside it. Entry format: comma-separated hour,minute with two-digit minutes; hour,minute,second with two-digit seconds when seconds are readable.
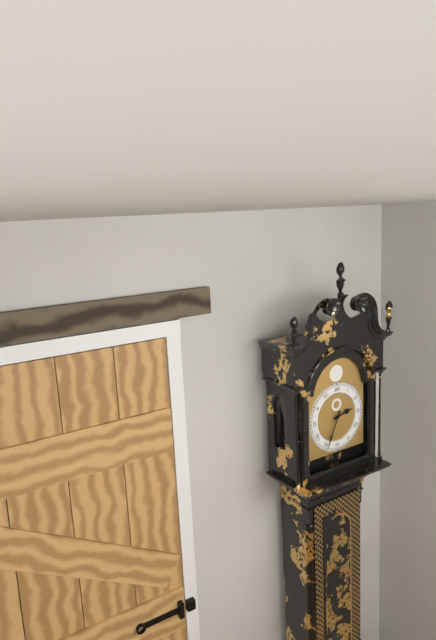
2,34
